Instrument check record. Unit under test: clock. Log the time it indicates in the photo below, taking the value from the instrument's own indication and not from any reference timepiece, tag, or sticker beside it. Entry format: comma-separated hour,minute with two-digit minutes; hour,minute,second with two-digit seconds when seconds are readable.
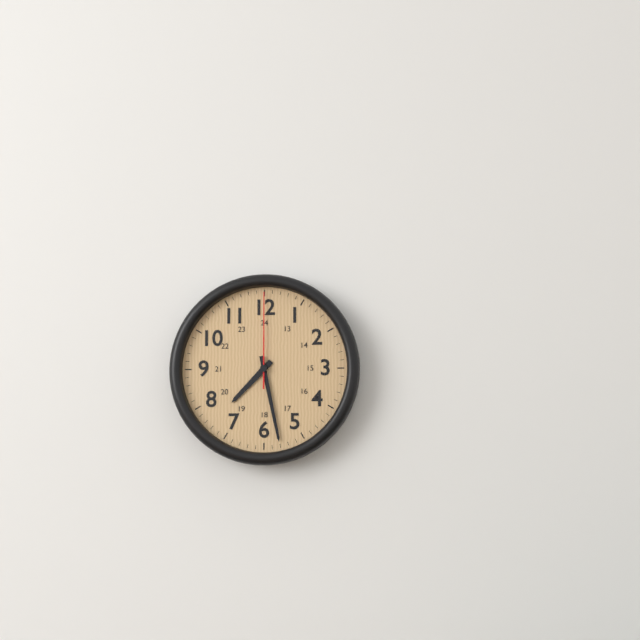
7,28,00
